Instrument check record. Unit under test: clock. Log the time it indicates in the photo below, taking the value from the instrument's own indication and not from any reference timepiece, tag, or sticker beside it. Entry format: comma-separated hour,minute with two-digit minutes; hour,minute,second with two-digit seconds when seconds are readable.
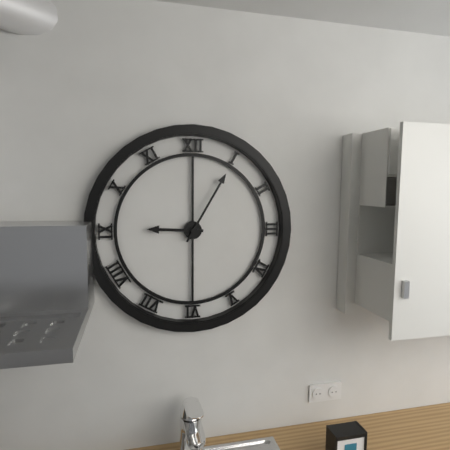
9,05
